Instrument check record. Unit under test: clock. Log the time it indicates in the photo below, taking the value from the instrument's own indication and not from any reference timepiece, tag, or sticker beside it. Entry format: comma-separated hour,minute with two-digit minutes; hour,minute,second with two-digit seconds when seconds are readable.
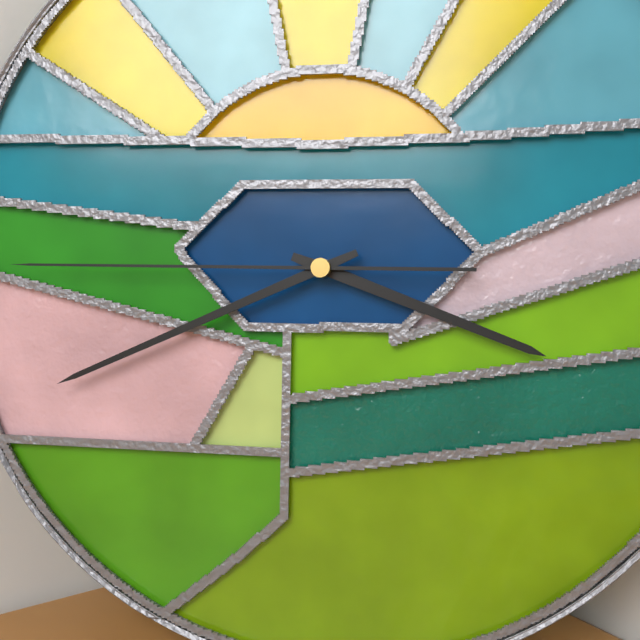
3,41,45
